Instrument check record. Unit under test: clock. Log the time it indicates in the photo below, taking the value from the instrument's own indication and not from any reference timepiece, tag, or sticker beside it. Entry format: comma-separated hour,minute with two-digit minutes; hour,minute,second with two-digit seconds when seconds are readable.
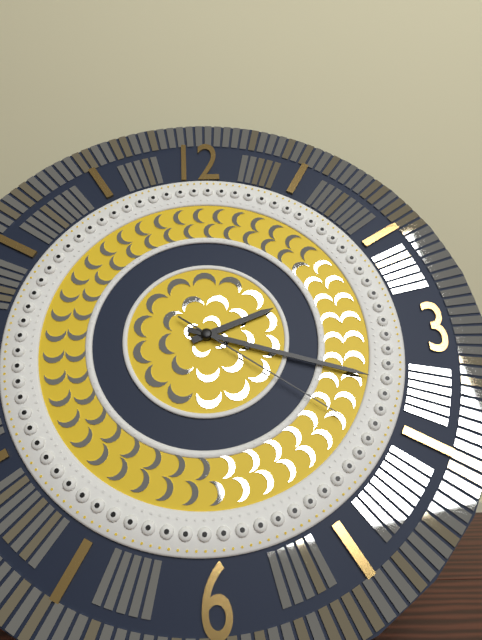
2,18,21
